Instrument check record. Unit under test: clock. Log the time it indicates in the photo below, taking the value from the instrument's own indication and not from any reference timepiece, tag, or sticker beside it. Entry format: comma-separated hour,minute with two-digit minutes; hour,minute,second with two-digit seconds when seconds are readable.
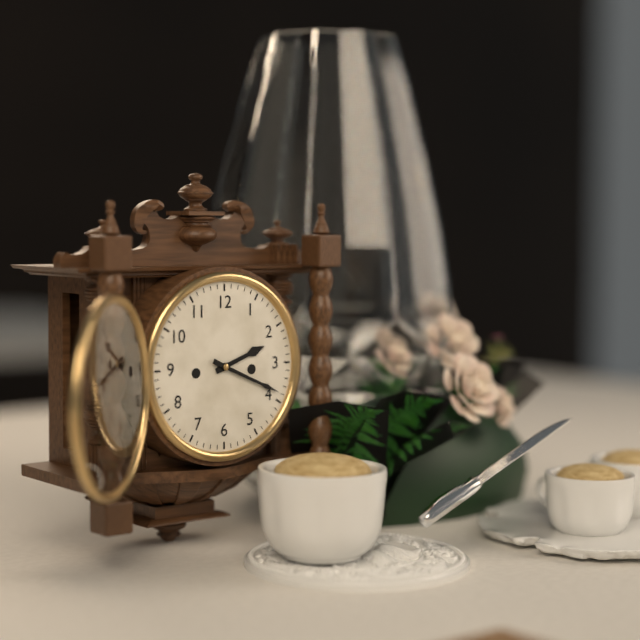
2,19
